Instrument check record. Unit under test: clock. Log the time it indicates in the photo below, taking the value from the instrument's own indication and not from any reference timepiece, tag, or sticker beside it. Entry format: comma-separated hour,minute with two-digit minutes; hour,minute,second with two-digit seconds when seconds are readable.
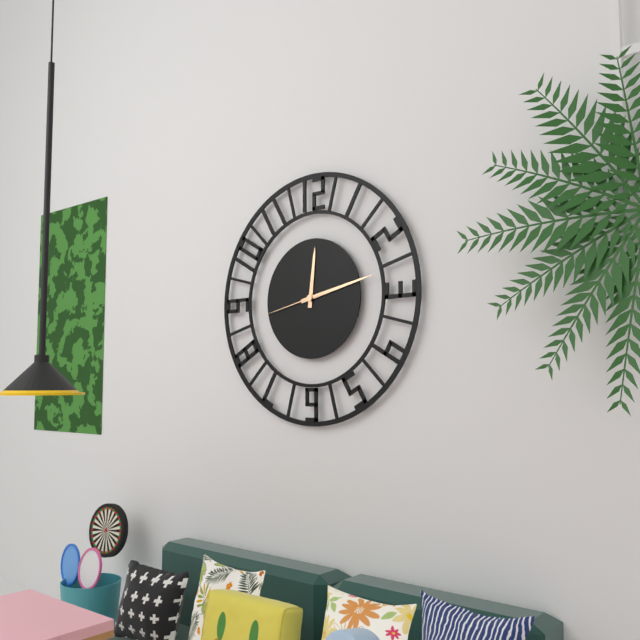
12,13,43
